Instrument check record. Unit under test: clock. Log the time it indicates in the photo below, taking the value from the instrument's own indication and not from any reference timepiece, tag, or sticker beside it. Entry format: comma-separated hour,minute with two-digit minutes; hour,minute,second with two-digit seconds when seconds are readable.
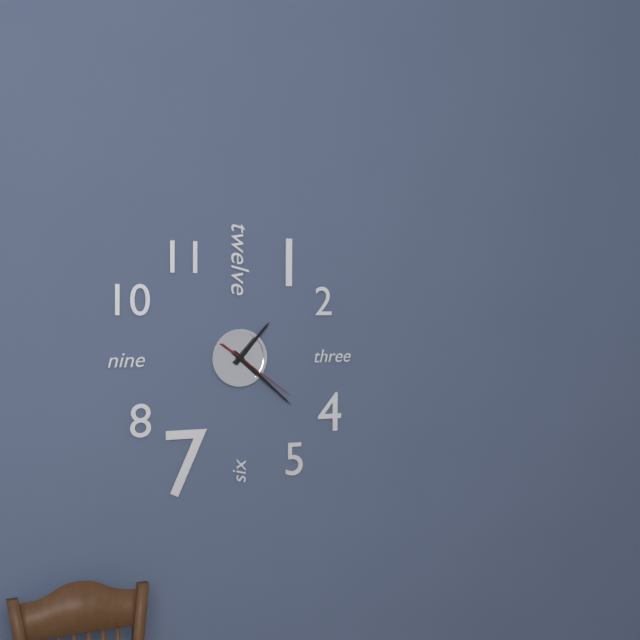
1,22,21
